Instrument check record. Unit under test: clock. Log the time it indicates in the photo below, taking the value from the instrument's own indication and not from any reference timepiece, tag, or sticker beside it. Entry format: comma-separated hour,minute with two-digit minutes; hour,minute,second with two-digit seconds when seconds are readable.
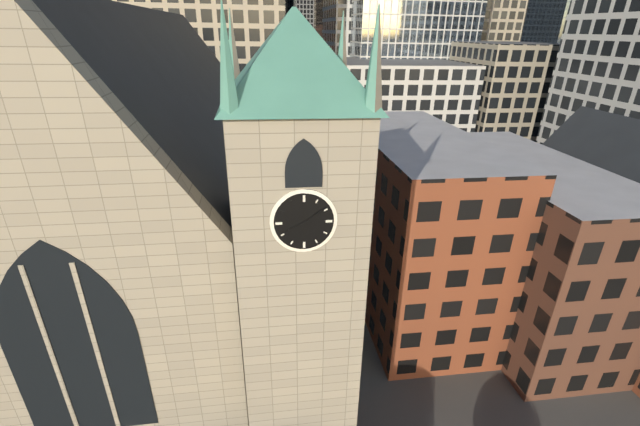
8,09
